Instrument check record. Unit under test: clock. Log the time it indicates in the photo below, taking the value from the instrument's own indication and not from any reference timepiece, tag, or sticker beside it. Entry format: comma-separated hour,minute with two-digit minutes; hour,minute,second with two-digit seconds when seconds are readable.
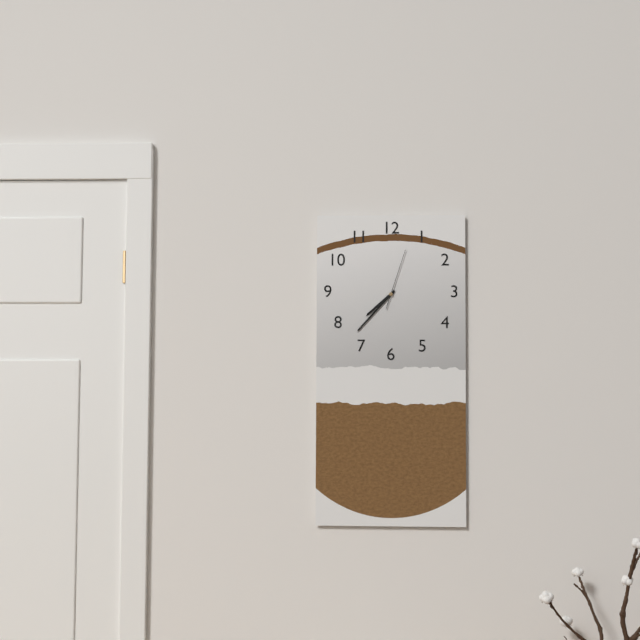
7,37,03
